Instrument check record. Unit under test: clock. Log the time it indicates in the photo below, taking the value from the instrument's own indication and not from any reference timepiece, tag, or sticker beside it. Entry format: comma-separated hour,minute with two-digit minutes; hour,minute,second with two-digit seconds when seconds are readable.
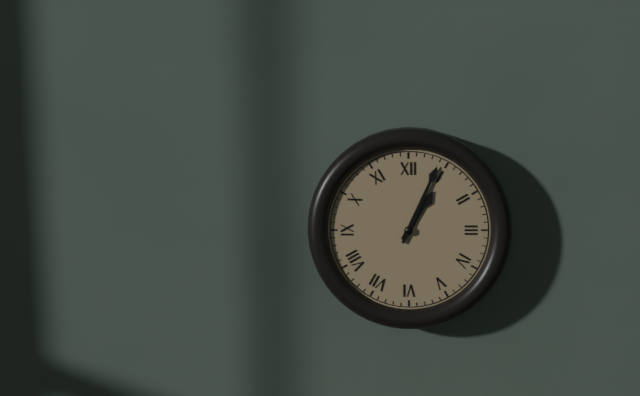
1,04
